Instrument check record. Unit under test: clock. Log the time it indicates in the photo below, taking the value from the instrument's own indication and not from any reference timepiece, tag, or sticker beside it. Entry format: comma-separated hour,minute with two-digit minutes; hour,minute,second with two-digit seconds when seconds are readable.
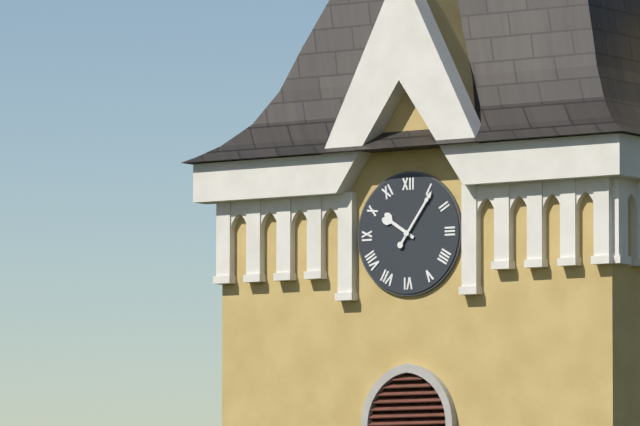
10,06
